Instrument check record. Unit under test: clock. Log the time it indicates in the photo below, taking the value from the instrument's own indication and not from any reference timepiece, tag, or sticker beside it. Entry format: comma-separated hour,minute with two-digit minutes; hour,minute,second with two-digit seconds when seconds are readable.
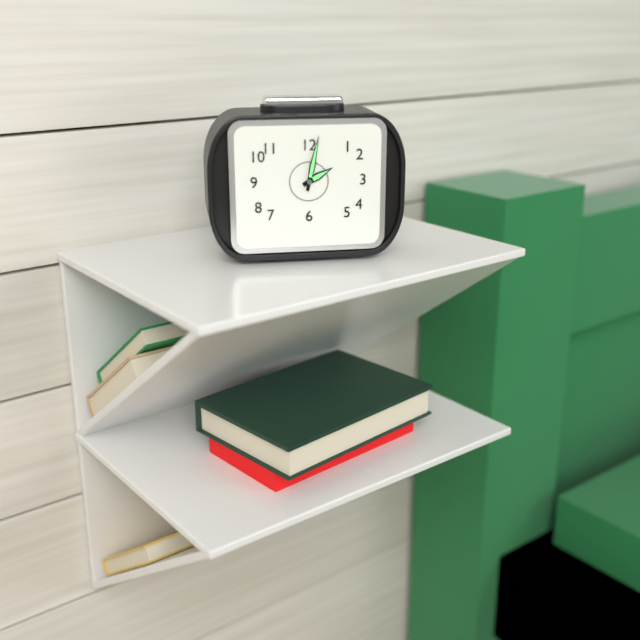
2,02
